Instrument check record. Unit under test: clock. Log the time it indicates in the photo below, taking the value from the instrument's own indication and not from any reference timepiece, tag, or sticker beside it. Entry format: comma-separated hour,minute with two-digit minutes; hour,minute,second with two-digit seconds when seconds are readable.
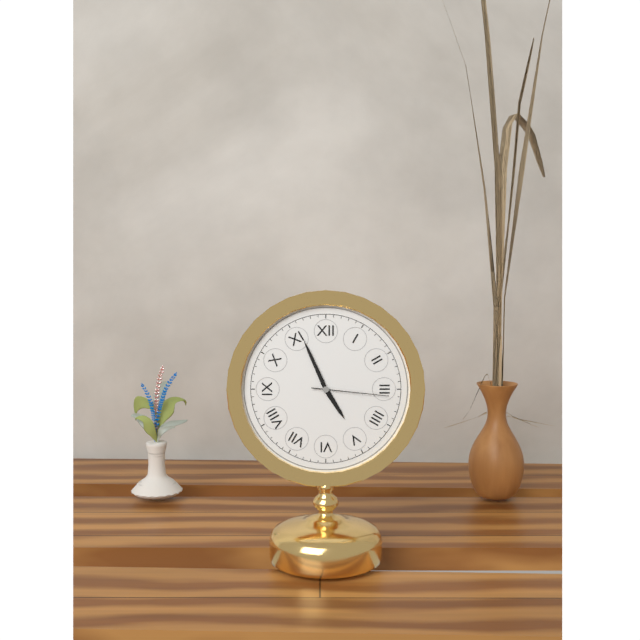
4,56,16
